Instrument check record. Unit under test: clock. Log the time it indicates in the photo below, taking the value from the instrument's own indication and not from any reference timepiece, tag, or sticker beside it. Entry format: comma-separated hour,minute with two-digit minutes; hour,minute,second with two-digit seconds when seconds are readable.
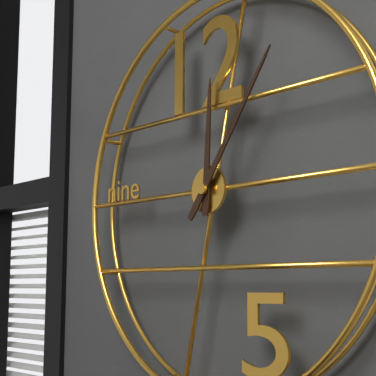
12,06
